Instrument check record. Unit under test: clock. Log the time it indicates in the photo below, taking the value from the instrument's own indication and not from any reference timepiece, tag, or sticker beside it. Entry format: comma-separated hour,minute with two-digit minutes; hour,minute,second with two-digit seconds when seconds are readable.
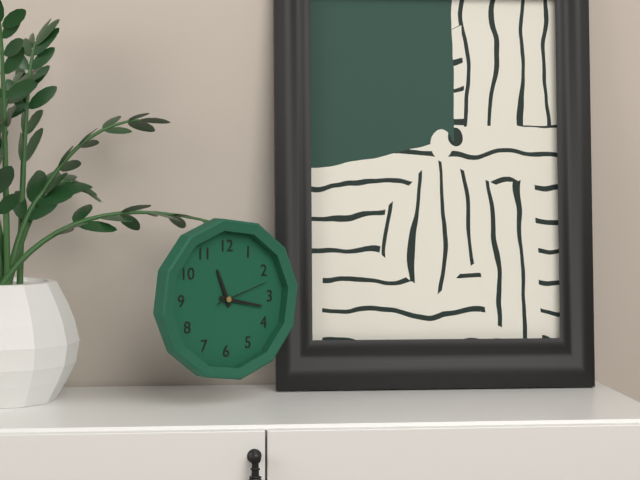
11,17,12
